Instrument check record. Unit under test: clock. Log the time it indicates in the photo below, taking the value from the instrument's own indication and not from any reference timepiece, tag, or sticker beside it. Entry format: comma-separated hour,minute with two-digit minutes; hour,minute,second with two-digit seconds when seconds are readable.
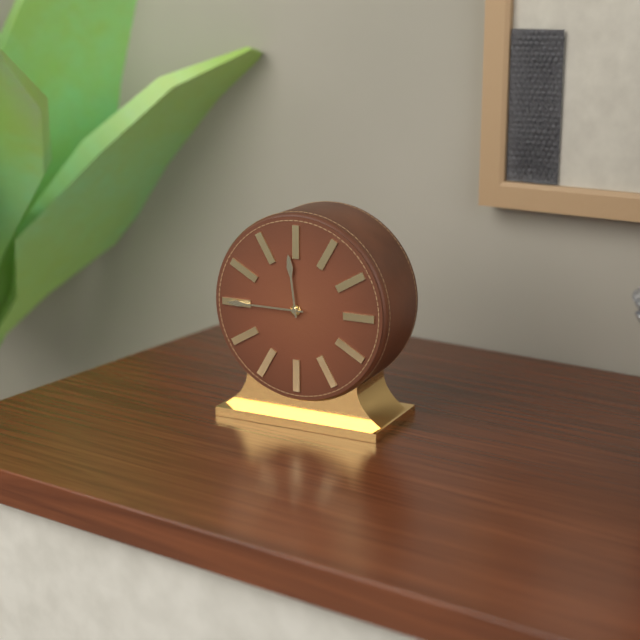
11,45
